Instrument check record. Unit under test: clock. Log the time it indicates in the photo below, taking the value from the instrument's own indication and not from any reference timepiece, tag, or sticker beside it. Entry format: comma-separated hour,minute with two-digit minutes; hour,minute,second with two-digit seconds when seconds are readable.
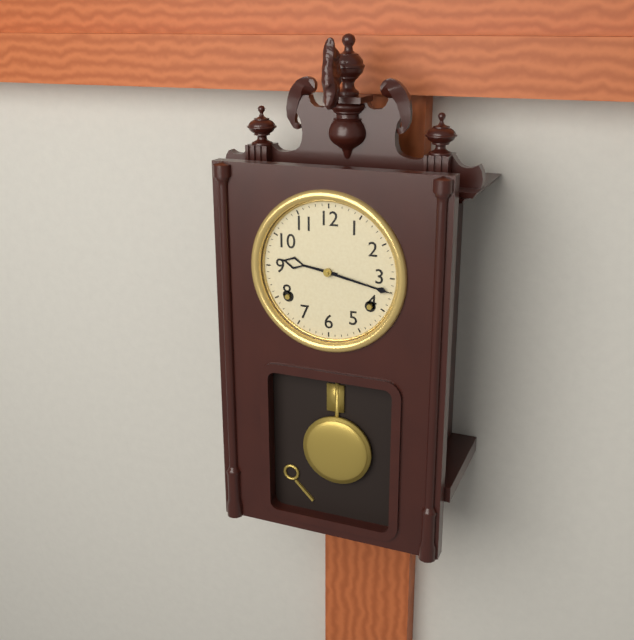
9,17
